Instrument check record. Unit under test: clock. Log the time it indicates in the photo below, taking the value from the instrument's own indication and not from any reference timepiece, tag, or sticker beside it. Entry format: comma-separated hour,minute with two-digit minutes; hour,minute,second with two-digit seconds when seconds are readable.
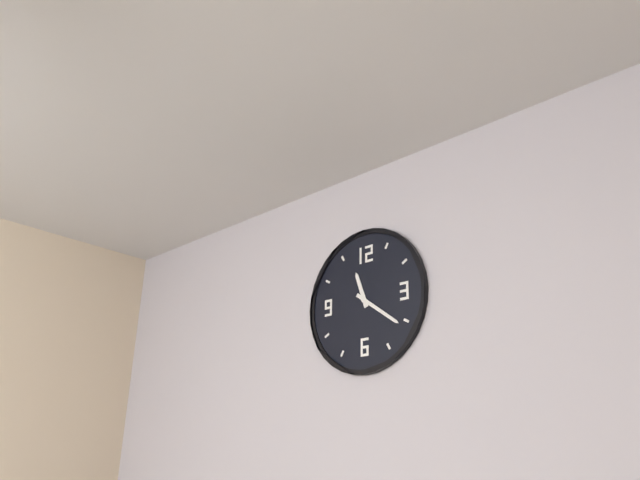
11,21
